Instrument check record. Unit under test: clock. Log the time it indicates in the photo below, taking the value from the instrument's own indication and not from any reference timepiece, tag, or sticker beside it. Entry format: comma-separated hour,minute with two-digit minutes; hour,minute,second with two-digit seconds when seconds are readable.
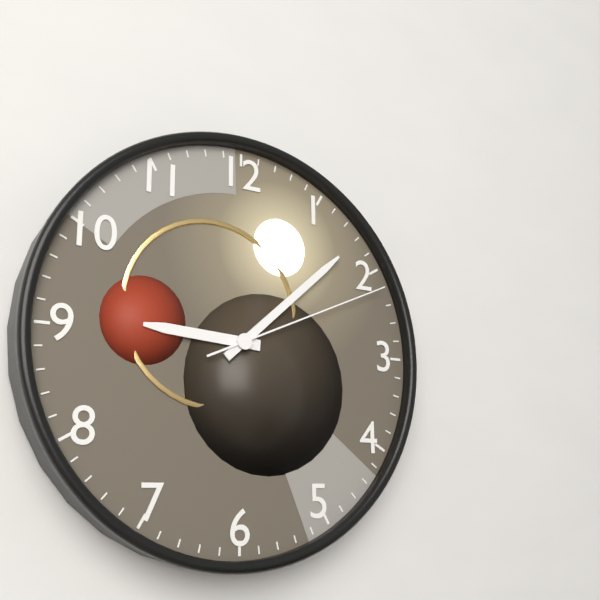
9,08,11
